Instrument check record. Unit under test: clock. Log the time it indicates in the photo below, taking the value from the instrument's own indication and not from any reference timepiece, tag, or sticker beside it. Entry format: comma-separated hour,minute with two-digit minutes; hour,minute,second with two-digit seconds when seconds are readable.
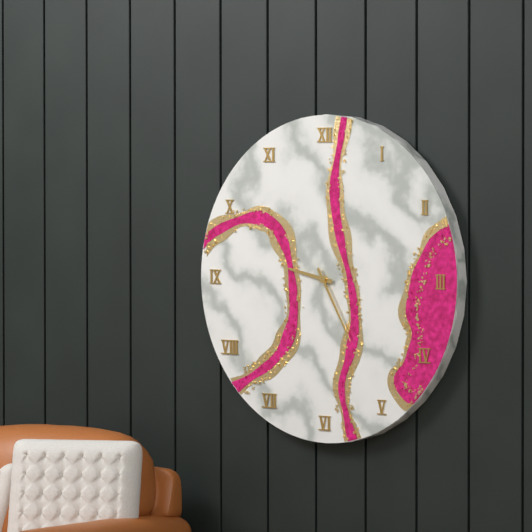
9,25
